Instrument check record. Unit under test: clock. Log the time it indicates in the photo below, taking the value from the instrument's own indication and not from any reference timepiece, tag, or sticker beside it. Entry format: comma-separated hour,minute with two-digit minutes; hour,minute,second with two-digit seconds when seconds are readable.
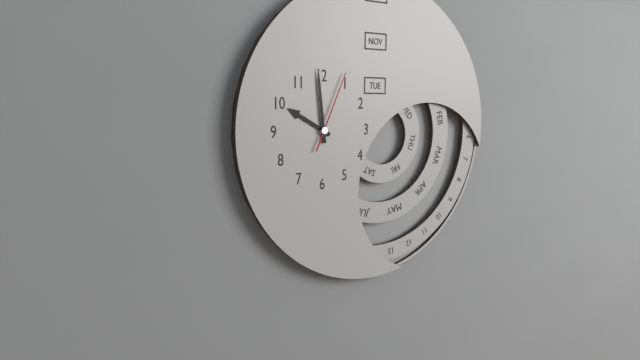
9,59,04
